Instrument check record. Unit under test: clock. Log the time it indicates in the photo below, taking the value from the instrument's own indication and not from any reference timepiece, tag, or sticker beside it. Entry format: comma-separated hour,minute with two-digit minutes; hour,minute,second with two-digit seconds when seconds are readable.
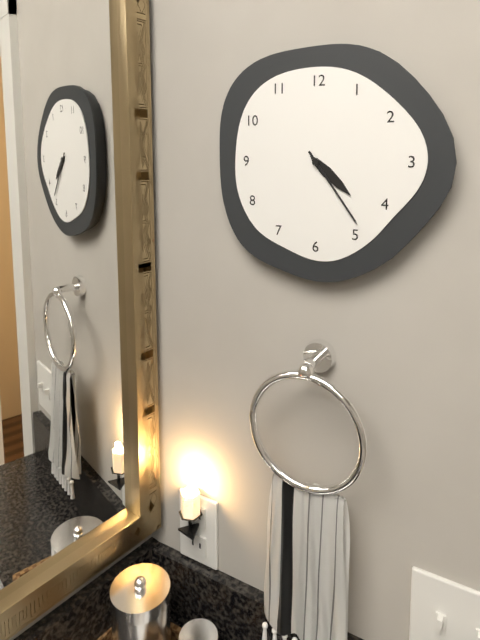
4,24
